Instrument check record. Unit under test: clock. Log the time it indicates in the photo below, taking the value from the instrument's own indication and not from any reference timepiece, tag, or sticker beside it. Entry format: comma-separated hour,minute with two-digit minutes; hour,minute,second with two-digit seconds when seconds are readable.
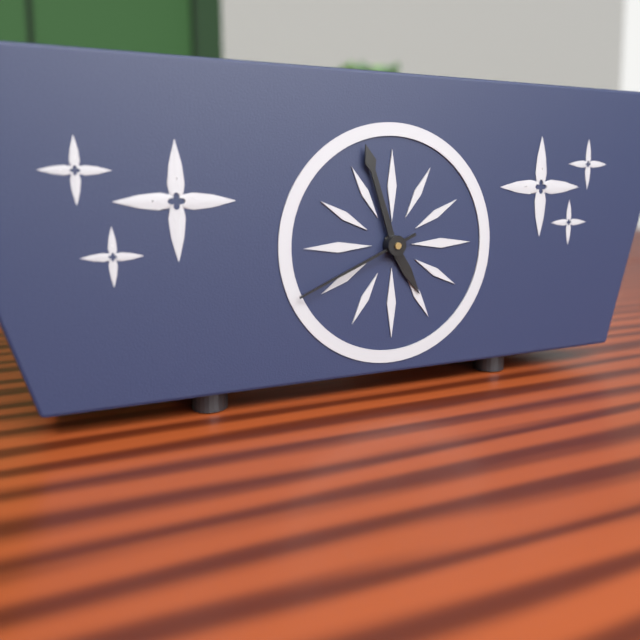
4,57,41
